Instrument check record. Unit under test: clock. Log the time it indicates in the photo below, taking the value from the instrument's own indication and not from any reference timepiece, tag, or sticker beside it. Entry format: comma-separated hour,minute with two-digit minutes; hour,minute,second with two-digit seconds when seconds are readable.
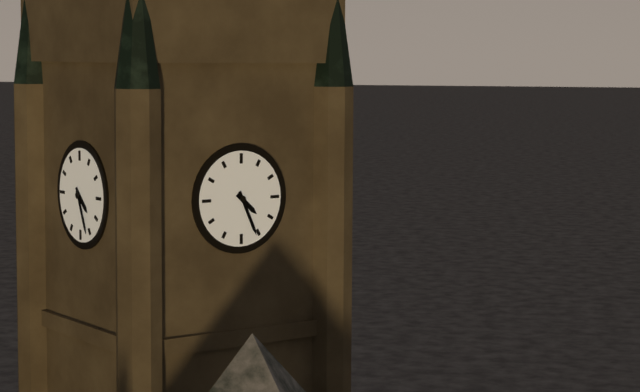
4,26
